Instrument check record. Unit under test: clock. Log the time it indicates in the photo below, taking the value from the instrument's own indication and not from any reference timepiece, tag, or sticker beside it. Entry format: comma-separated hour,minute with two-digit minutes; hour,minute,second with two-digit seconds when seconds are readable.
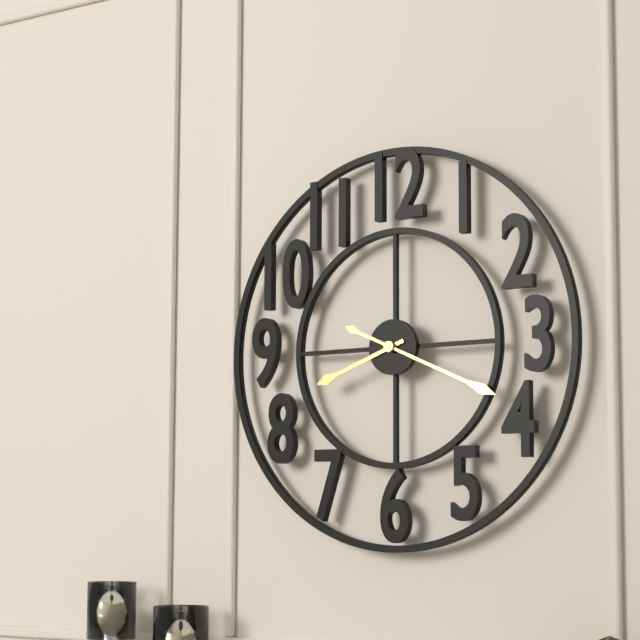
8,19
